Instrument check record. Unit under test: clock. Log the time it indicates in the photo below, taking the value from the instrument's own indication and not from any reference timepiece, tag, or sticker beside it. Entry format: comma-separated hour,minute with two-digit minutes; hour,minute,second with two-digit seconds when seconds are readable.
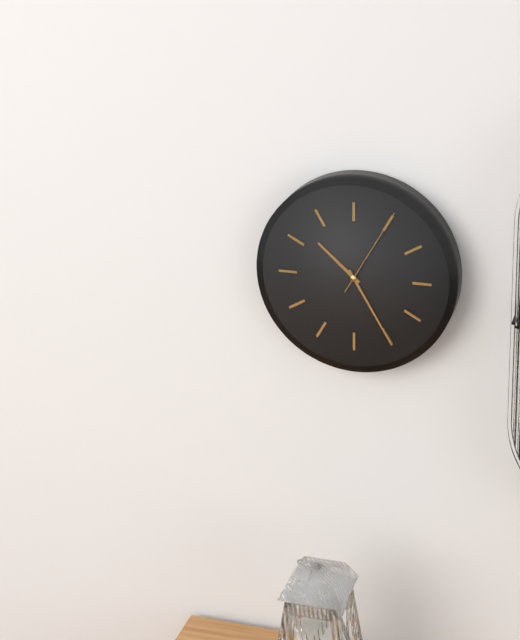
10,25,05
